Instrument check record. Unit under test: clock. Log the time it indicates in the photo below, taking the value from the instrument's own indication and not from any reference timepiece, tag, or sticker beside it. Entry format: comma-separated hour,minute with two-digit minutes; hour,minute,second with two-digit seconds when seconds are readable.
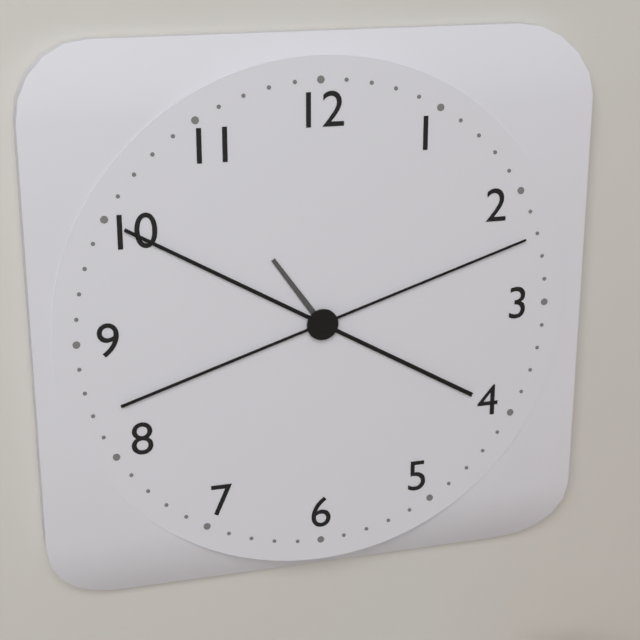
10,50,12
